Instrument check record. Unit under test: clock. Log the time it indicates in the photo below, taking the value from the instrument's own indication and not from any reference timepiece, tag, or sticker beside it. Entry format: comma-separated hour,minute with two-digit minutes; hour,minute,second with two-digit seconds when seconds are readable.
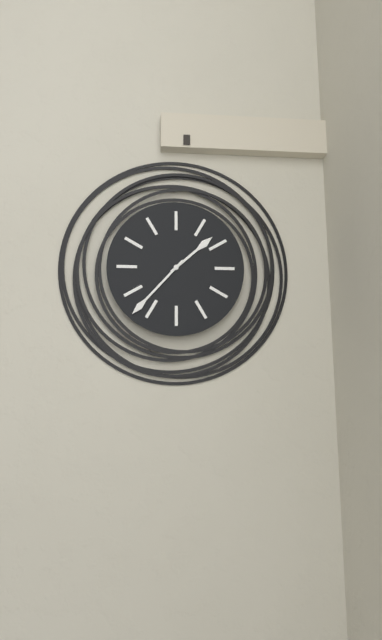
1,37
